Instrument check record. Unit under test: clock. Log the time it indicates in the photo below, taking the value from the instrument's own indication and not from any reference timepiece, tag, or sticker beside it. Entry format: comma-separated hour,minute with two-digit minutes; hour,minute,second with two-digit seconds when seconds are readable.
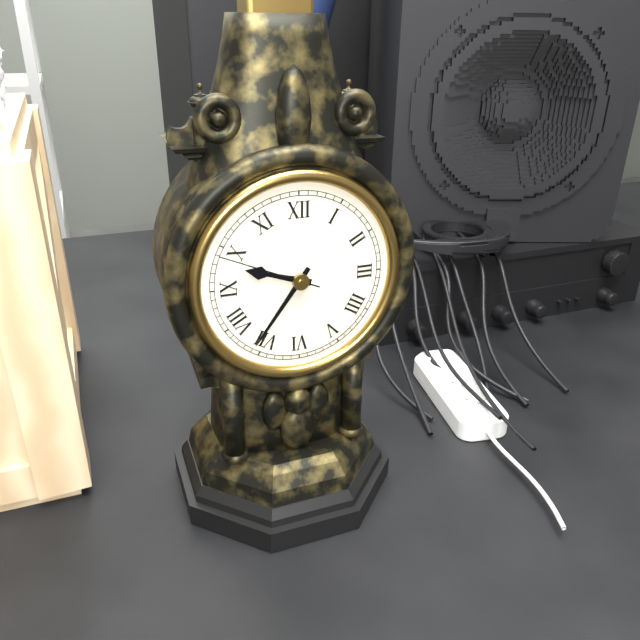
9,36,49
